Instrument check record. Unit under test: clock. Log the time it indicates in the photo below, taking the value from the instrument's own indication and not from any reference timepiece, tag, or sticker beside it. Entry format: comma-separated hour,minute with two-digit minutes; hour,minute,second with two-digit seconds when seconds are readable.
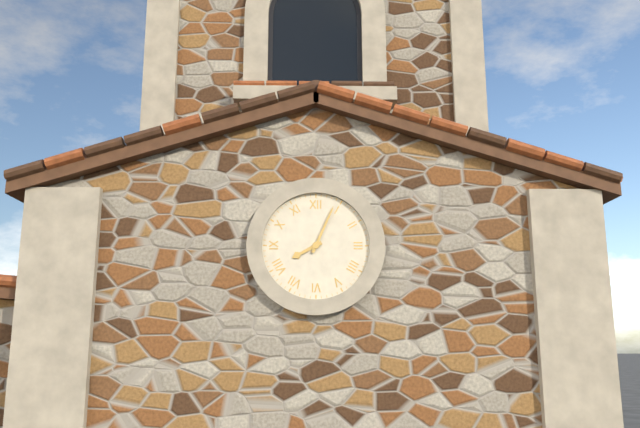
8,04
